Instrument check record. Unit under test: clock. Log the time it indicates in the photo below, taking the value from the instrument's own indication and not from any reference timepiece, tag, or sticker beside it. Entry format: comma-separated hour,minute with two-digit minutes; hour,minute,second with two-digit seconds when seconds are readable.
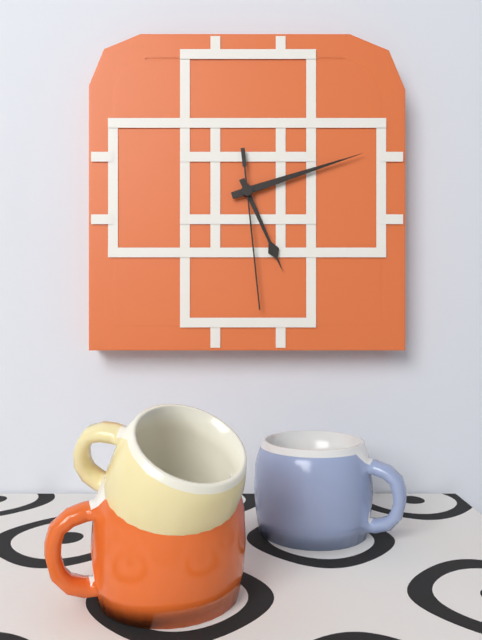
5,12,29
